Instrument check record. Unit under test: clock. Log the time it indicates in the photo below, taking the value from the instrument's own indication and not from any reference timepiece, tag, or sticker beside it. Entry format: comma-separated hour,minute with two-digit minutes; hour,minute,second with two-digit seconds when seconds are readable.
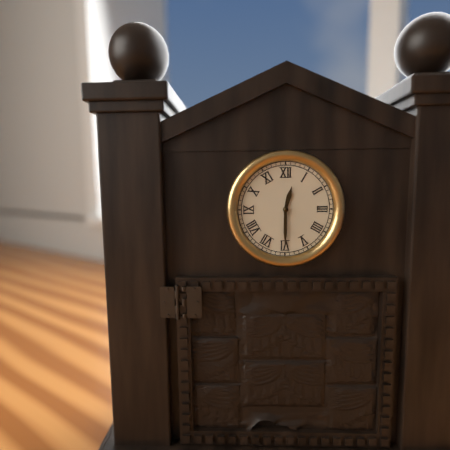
12,30
